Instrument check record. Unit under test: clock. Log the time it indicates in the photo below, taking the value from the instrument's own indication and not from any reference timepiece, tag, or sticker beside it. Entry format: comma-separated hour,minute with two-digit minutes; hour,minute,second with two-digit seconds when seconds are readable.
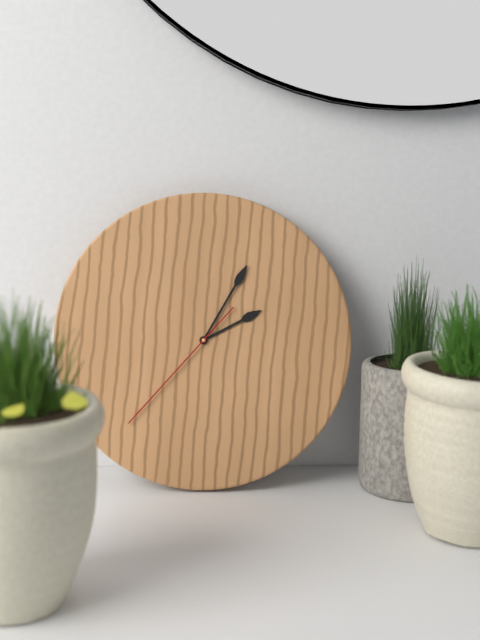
2,05,37
